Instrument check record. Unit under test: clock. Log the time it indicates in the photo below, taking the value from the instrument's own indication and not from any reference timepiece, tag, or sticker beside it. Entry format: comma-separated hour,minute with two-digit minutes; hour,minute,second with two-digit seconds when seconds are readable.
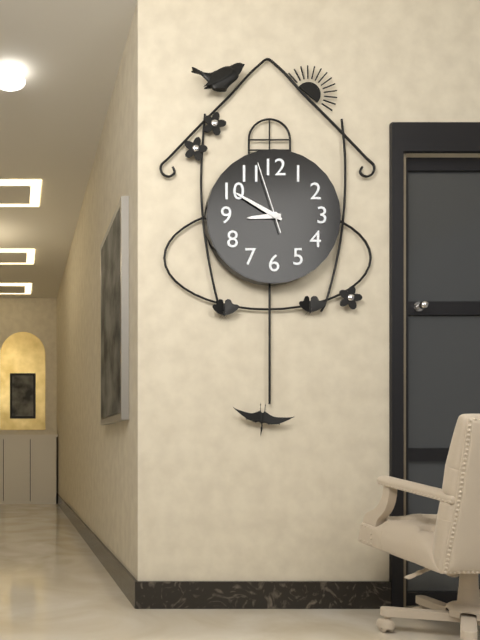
8,50,57
